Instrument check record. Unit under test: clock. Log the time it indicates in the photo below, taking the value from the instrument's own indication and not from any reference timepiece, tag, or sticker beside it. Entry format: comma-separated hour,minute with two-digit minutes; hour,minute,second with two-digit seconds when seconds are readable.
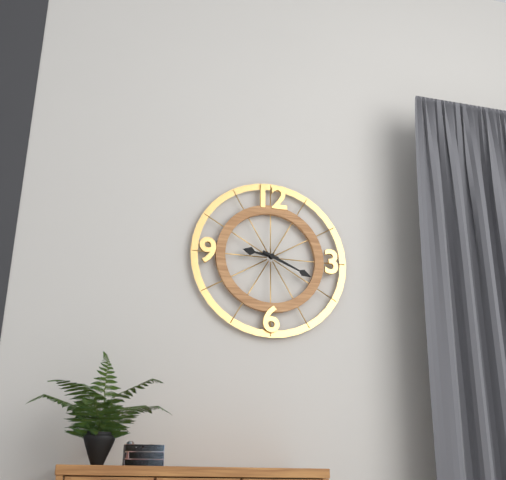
9,19
